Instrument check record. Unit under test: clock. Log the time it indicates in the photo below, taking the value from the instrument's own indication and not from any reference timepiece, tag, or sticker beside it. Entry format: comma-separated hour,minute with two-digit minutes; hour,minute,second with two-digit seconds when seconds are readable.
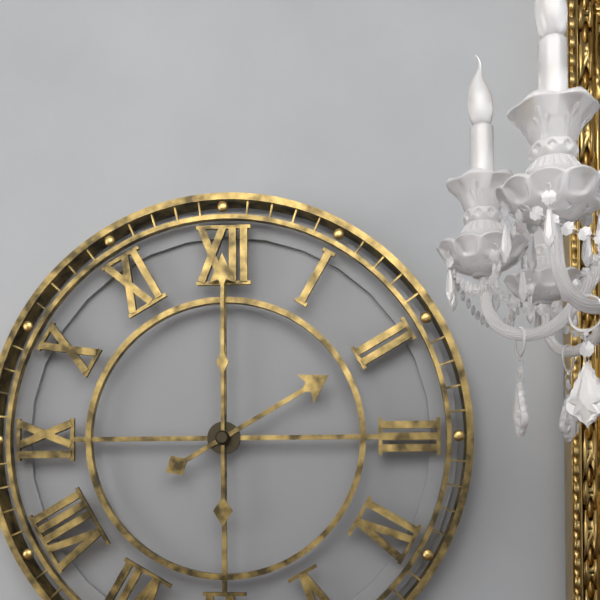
2,00
